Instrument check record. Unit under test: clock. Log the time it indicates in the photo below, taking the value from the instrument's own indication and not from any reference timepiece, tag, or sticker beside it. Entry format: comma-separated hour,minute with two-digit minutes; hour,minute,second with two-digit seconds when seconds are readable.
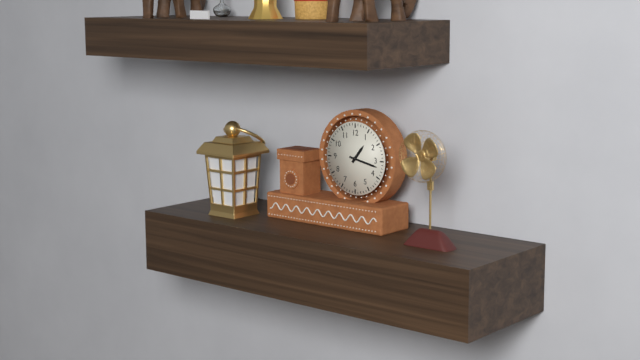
1,17
